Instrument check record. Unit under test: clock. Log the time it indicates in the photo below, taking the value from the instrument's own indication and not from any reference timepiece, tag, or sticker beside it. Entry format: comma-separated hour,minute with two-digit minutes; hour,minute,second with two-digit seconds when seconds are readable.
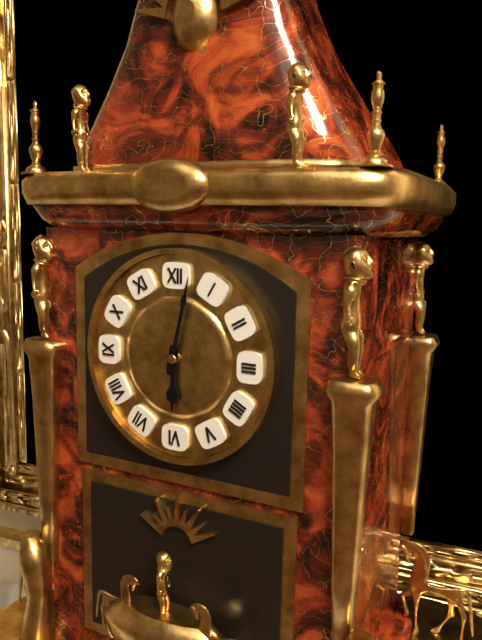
6,02
